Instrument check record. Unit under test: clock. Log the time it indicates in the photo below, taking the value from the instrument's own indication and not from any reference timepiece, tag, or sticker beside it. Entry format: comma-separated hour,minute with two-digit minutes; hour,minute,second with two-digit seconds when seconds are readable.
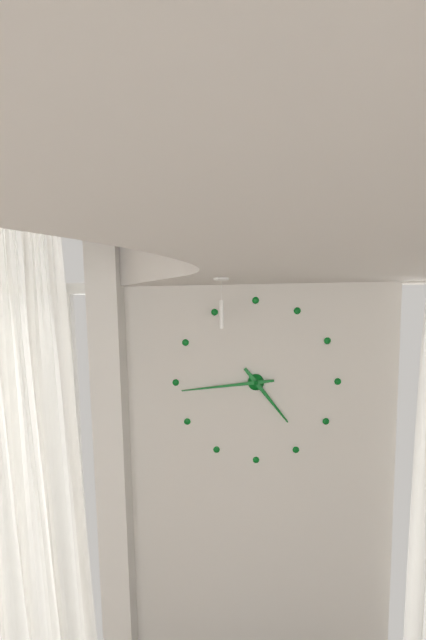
4,44
